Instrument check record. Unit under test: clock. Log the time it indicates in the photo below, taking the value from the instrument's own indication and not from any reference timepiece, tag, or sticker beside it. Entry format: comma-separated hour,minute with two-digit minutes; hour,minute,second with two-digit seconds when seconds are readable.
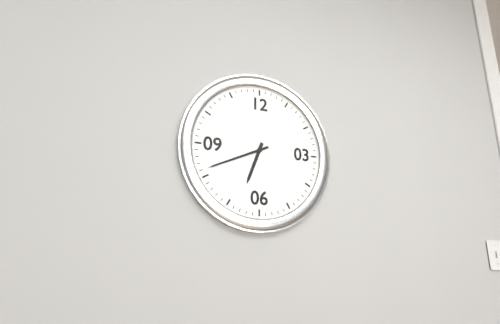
6,41
